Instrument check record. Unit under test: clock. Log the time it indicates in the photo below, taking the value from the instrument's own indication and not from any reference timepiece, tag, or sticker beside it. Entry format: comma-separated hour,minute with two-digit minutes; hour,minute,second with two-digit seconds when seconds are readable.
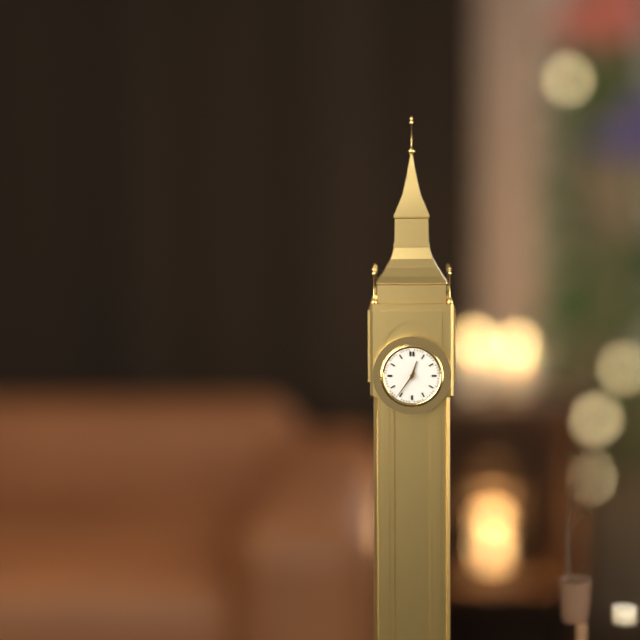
12,36
